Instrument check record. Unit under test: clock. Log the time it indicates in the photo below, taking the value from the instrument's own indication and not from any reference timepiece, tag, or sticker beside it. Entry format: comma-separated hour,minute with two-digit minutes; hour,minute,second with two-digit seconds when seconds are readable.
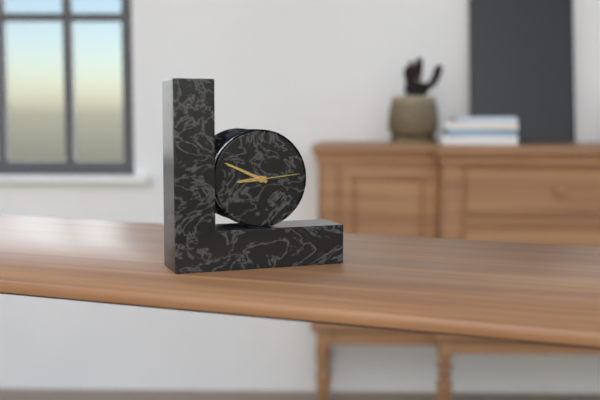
8,49,14
